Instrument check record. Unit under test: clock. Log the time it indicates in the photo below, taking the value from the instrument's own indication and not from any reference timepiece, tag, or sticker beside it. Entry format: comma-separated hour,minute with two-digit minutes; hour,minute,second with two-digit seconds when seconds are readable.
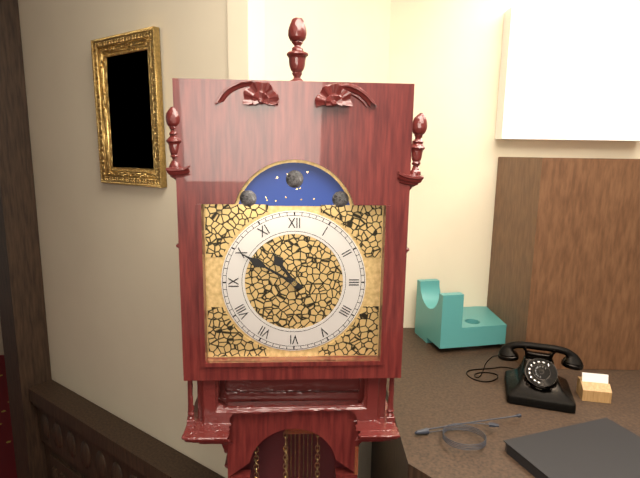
10,50
